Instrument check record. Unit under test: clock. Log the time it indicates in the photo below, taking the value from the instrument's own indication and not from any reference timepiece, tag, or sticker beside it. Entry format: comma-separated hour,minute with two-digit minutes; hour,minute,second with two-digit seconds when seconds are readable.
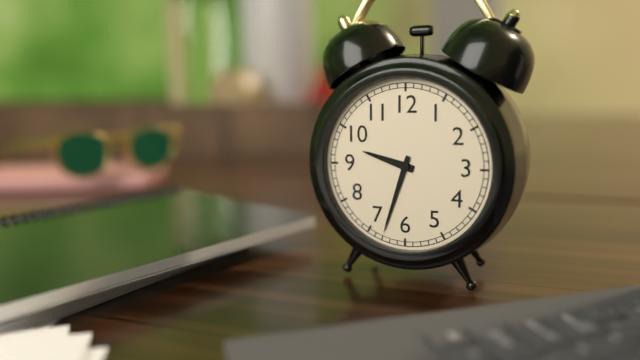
9,33
